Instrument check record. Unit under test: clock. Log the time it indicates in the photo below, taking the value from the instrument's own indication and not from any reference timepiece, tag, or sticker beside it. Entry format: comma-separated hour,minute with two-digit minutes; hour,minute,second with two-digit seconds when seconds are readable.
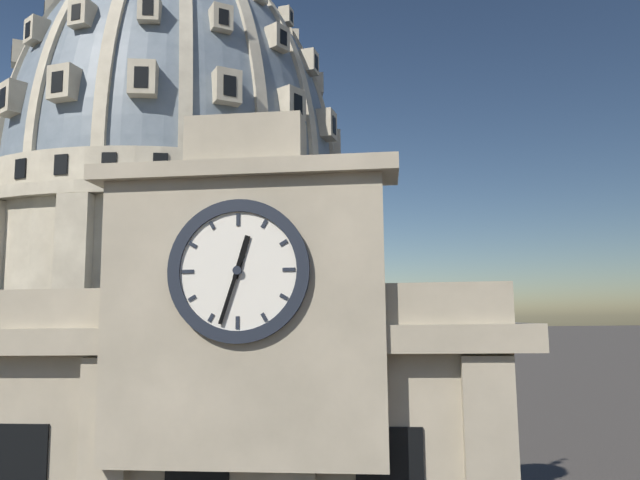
12,33
